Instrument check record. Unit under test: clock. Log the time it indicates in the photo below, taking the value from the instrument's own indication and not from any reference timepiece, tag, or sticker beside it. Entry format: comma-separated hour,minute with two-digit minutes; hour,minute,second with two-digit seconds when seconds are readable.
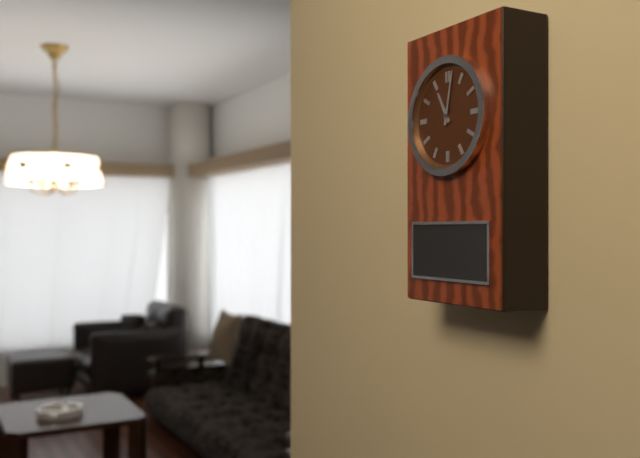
11,02
